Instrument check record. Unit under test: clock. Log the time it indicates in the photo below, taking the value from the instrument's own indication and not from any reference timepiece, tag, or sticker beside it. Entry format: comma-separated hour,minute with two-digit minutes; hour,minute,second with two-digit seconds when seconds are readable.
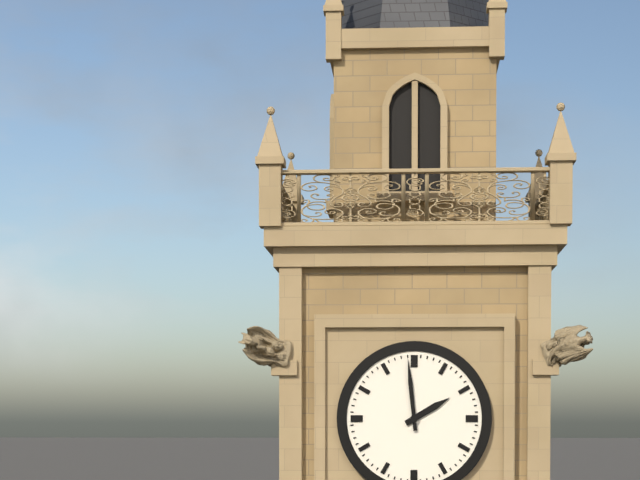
1,59
